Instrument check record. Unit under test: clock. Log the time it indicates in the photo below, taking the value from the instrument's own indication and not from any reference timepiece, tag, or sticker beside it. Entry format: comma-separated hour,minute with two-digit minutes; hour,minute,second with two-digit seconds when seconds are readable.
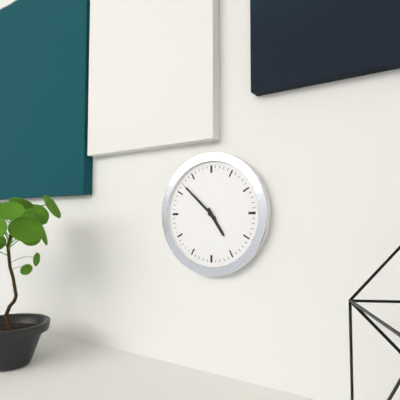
4,52
